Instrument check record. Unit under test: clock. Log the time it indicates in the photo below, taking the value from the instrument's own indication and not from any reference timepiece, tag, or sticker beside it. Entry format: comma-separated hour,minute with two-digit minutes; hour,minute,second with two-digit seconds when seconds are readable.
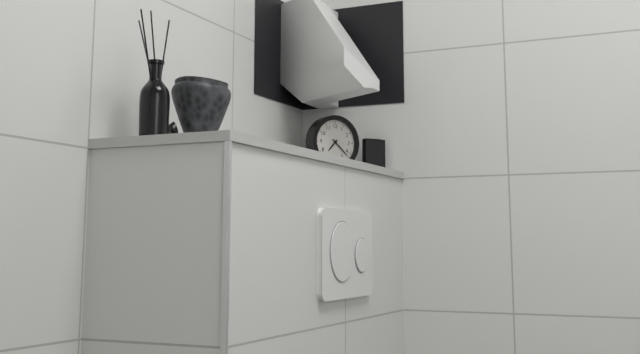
7,22
